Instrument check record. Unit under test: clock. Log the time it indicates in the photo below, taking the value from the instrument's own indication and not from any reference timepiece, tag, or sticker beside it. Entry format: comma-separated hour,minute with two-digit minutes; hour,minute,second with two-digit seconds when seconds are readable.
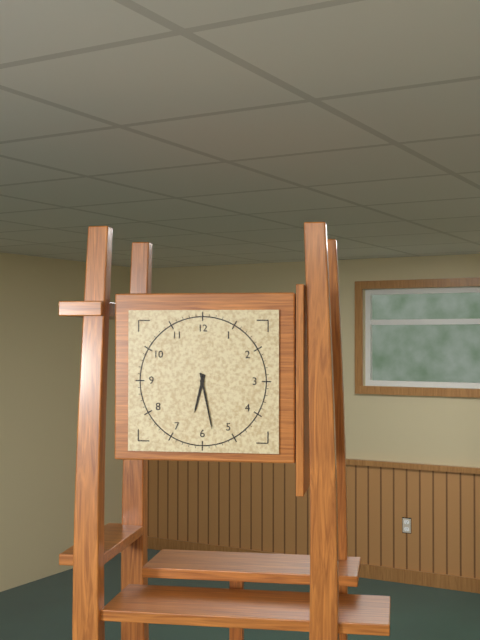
6,28
